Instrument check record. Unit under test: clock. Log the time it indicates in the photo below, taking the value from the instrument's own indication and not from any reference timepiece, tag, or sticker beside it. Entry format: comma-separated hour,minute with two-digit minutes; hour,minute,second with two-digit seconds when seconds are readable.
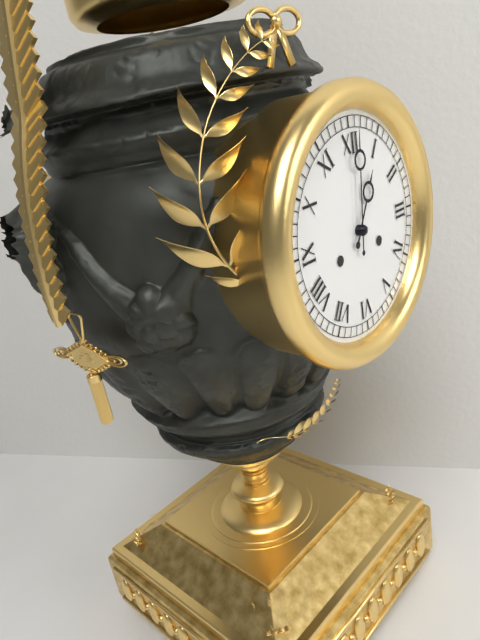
1,01
